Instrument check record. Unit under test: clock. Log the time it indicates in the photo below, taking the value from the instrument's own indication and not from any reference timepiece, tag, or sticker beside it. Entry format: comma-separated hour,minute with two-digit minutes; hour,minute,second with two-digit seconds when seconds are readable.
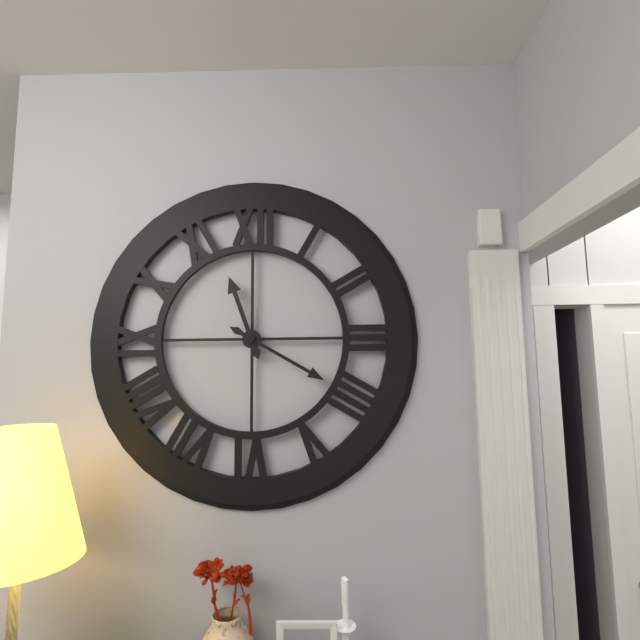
11,20
